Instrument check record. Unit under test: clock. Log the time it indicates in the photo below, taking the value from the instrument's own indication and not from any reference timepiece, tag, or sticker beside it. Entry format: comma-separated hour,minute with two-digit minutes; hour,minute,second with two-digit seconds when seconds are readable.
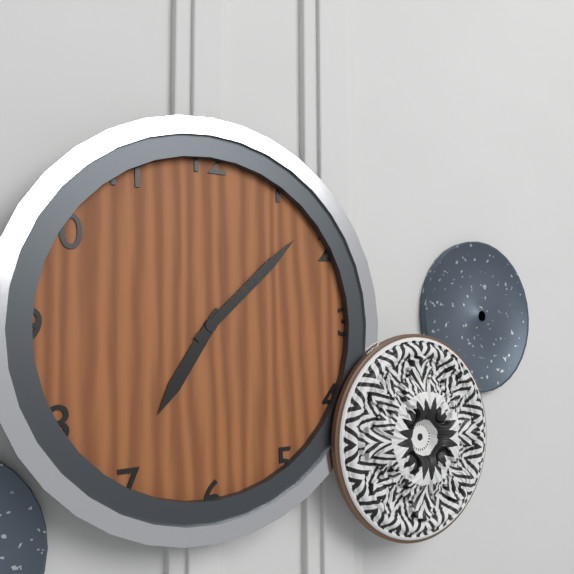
7,08
